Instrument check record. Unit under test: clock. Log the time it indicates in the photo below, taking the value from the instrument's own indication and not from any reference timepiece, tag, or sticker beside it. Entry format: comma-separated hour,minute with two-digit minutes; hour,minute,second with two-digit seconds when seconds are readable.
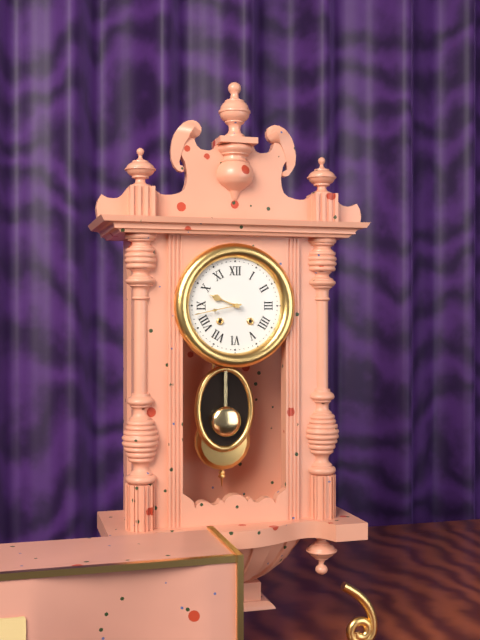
9,43
